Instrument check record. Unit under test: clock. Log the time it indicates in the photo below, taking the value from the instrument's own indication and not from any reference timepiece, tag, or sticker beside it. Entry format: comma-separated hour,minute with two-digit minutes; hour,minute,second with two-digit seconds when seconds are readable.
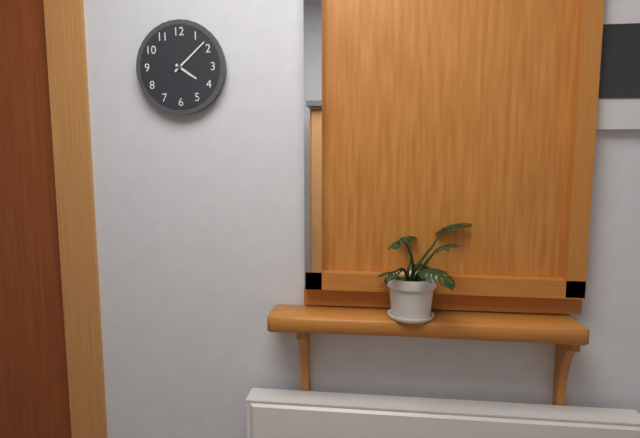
4,08
